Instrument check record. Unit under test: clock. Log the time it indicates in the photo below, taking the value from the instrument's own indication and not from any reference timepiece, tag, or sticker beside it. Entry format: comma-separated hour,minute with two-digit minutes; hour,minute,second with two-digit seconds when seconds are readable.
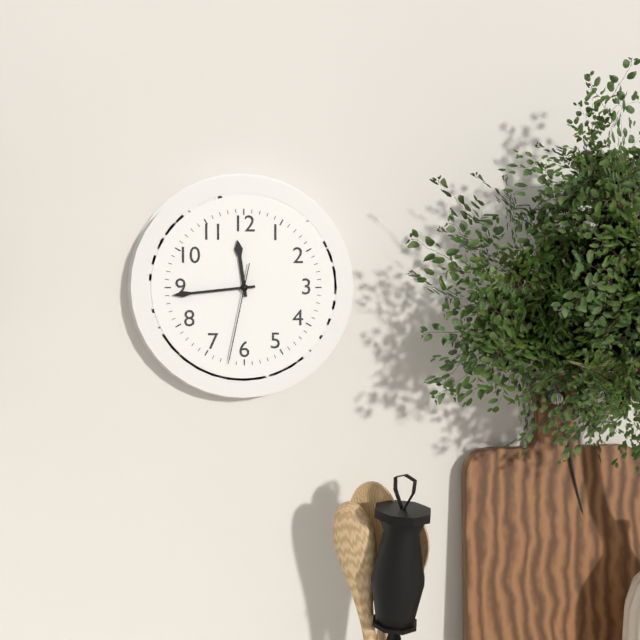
11,44,32
